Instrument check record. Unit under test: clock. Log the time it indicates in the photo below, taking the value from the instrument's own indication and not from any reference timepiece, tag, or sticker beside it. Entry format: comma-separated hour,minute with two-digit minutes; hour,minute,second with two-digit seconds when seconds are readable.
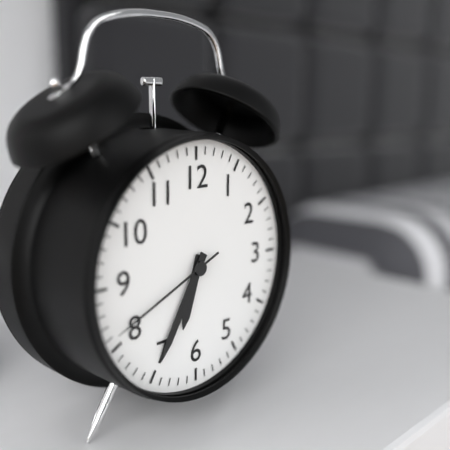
6,35,41
